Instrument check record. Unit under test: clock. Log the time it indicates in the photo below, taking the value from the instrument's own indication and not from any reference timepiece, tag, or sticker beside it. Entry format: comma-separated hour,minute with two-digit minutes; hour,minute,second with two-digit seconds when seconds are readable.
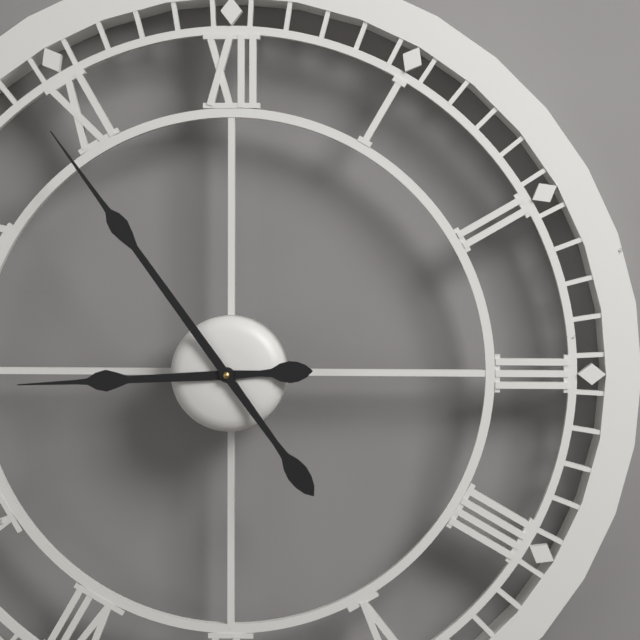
8,54
